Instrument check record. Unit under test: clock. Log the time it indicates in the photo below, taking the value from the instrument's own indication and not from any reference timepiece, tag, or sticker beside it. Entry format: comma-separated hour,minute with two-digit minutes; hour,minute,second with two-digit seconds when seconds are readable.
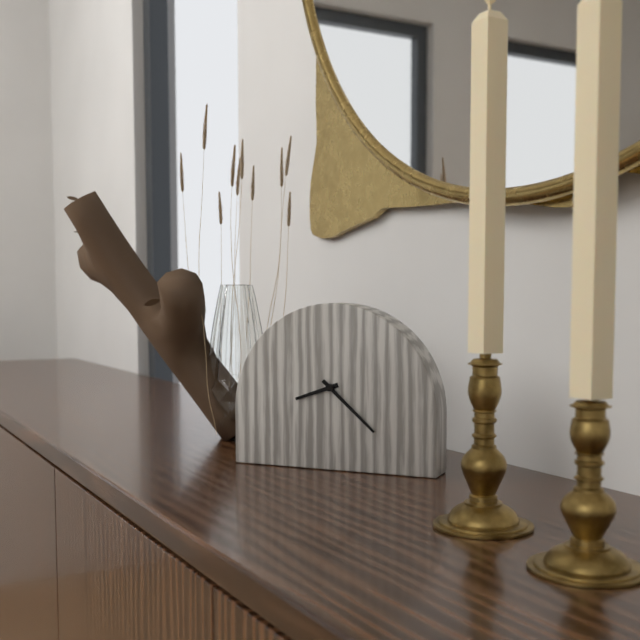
8,22
